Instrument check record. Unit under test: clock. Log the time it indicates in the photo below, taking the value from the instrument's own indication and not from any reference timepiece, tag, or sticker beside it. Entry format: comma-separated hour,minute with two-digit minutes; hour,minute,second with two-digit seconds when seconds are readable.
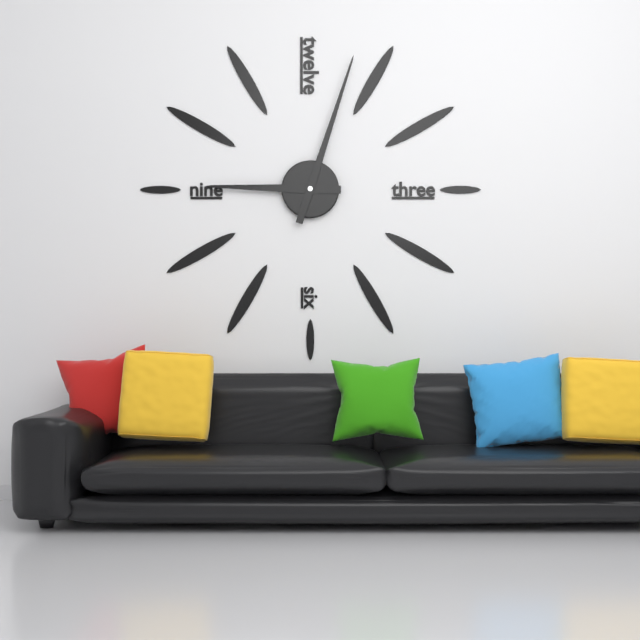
9,03
